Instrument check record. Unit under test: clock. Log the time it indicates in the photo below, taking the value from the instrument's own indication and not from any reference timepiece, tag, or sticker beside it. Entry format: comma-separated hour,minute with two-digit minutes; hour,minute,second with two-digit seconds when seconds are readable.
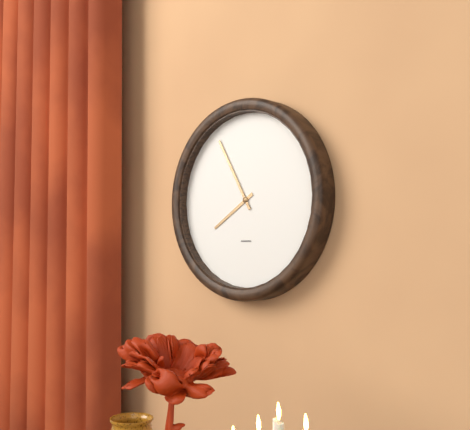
7,55
